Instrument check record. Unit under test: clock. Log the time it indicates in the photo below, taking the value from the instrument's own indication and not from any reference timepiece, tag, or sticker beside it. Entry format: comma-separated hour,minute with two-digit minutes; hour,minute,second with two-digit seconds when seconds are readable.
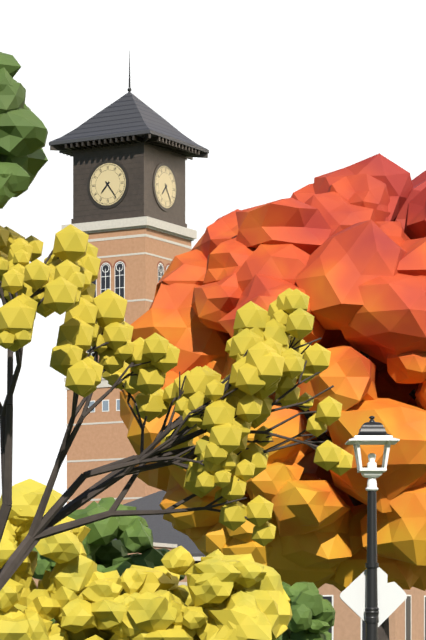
7,24
